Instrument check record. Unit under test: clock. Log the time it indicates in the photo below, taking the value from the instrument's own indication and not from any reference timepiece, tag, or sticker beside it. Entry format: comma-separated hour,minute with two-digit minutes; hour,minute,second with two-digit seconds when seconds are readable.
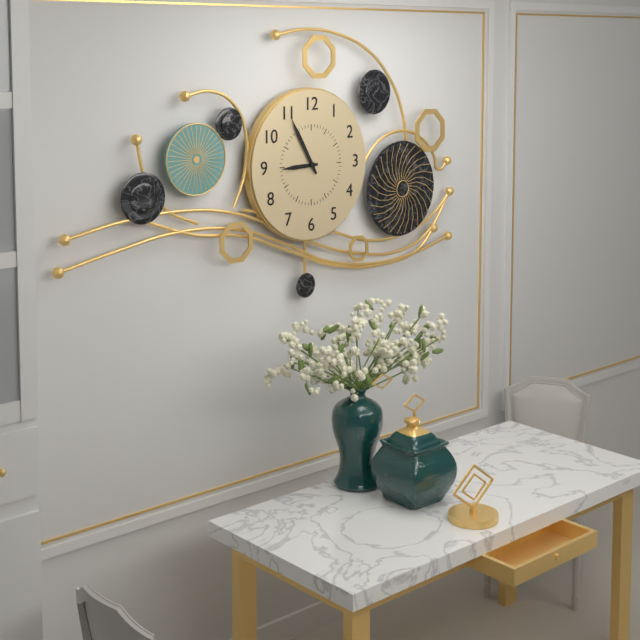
8,55
